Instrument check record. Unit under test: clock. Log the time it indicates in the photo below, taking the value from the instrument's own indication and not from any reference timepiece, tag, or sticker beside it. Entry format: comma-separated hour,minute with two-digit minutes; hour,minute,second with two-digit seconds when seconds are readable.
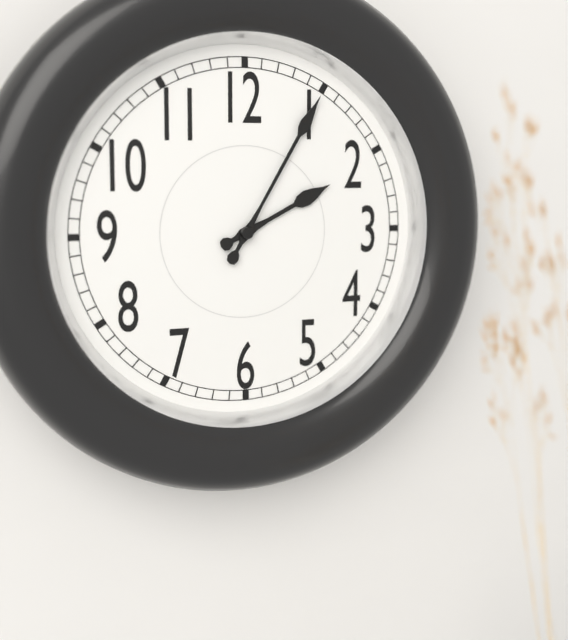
2,05
